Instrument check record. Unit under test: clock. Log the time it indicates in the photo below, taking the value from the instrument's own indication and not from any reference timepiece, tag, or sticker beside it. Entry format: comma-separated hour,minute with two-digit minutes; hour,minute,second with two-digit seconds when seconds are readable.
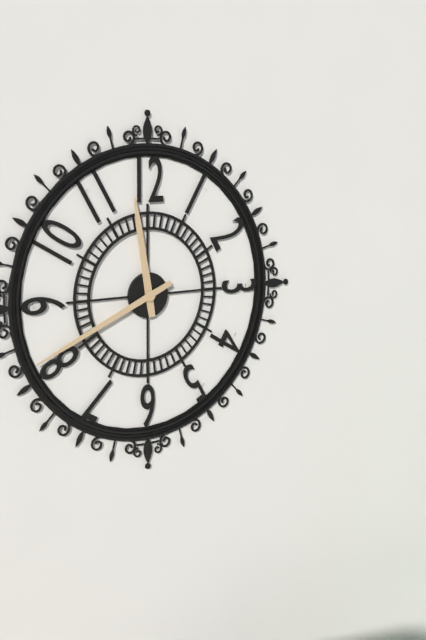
11,41
